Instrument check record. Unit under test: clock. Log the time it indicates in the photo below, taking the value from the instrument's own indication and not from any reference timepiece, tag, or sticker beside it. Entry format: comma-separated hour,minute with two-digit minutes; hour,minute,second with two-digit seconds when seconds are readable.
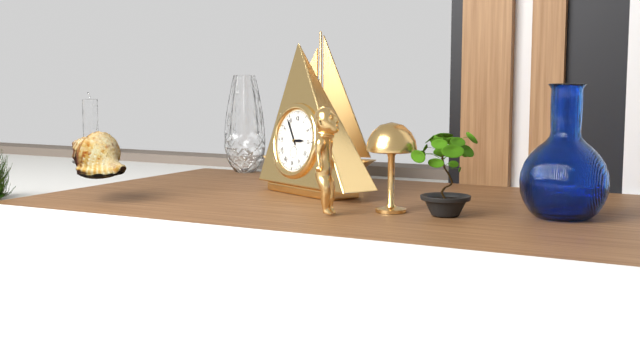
2,54
